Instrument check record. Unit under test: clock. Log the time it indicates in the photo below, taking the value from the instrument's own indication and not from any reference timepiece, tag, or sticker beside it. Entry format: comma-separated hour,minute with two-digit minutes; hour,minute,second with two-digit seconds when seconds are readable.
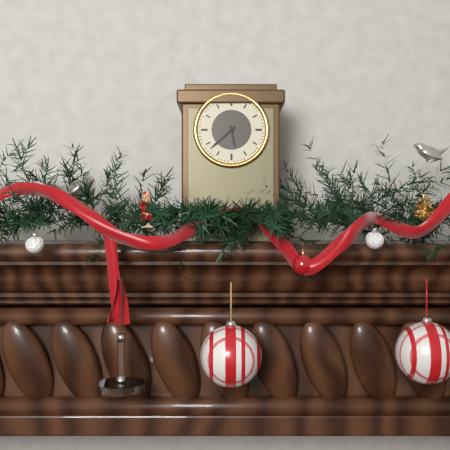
5,38
